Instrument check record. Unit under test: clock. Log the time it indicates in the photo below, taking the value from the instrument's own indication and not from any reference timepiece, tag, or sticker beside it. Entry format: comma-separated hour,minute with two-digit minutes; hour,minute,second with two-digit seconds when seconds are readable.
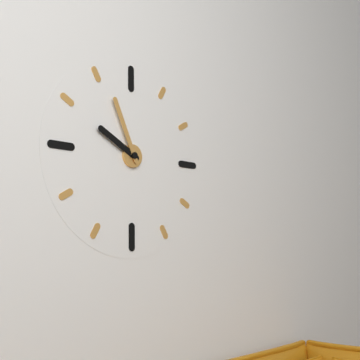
9,56
